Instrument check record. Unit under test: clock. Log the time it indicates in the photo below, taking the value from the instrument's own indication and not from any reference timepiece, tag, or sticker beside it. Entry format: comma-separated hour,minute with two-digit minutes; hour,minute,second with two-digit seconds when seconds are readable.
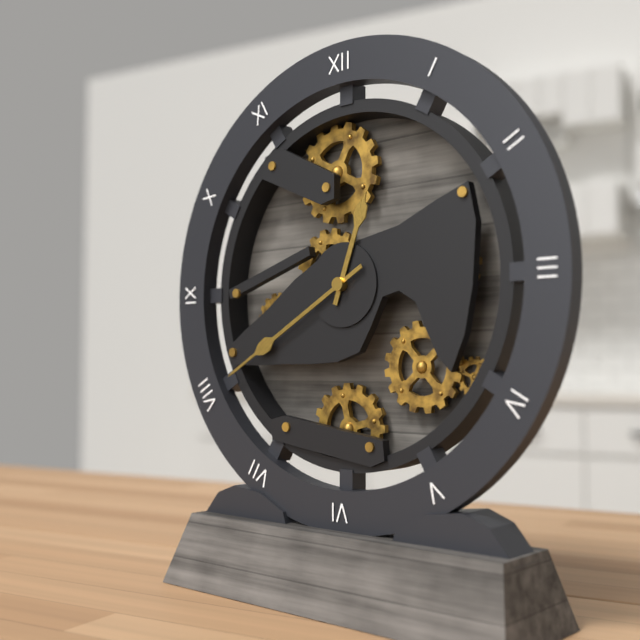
12,40
